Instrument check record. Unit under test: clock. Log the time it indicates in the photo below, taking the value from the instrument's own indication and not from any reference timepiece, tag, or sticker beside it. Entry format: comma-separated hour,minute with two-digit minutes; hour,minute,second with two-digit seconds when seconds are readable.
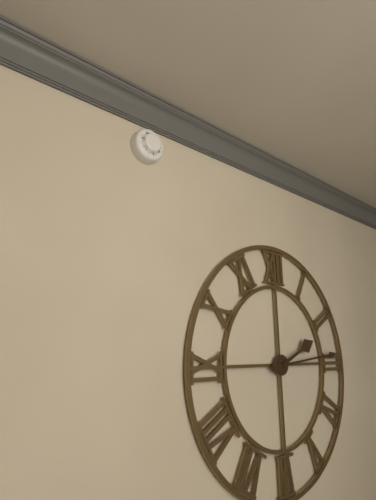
2,14
